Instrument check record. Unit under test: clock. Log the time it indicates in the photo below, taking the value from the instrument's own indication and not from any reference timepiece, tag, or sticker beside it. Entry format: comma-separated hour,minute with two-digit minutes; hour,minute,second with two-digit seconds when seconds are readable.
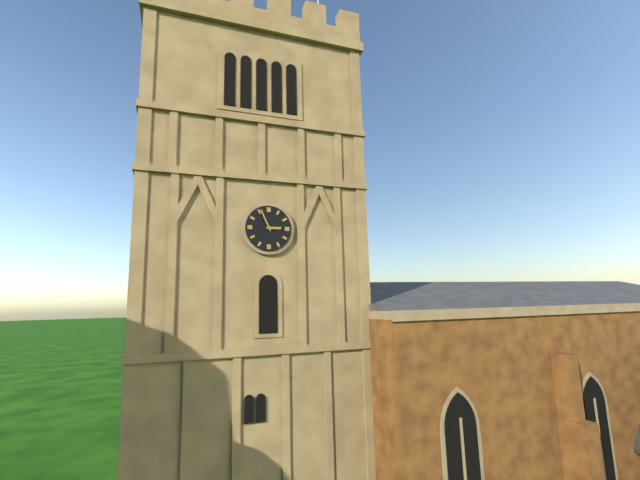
2,56
